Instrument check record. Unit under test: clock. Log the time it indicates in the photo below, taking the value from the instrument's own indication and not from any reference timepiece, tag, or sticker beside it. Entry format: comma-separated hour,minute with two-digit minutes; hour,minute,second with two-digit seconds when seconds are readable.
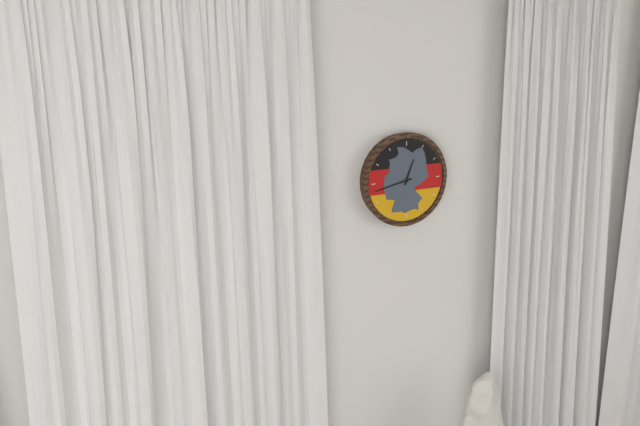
12,43
